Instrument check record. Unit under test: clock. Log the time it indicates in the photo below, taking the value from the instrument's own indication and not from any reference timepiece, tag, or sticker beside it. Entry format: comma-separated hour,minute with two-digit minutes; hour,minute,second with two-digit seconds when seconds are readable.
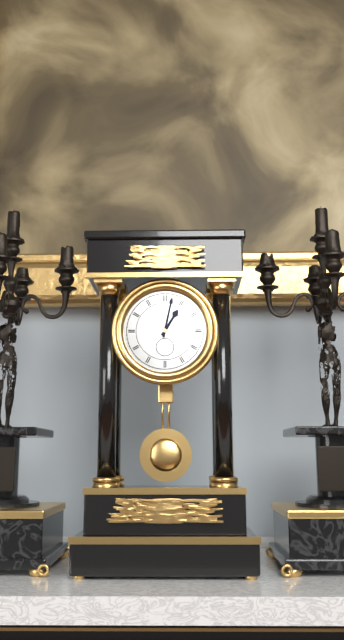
1,02
